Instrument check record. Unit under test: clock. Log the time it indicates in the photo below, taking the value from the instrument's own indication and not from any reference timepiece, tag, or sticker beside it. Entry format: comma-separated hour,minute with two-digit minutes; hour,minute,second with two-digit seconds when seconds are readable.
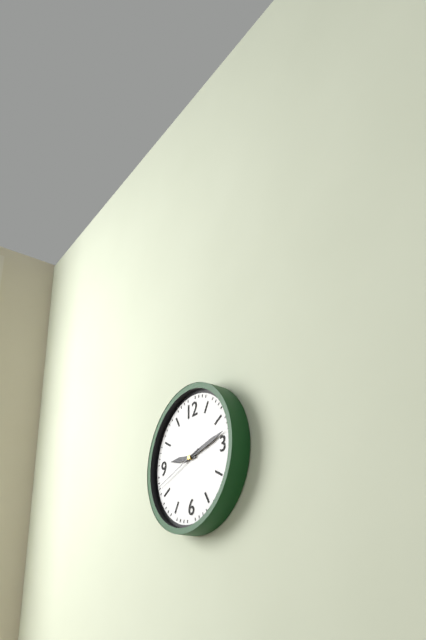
9,13,42
